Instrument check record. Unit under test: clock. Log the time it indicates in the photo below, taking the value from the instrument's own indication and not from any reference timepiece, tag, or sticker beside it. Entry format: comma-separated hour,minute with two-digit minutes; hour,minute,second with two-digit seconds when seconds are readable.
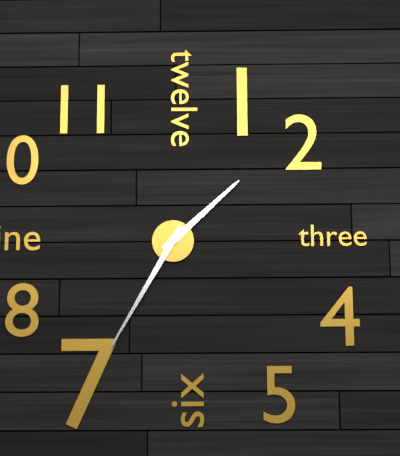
1,35
